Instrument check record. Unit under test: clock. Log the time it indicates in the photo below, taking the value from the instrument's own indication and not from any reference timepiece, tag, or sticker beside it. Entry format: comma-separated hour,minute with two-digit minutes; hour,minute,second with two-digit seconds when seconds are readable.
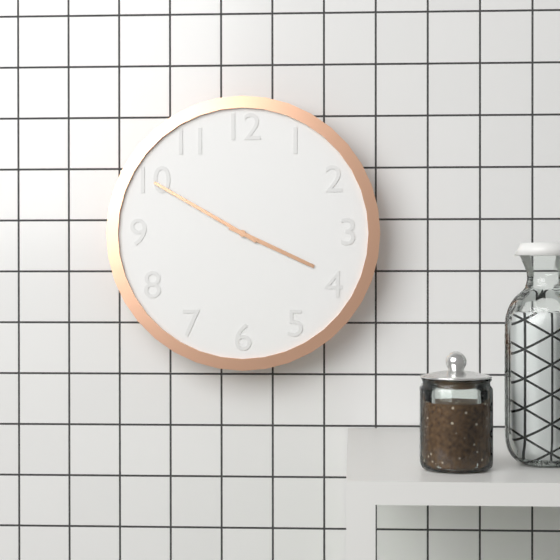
3,50
